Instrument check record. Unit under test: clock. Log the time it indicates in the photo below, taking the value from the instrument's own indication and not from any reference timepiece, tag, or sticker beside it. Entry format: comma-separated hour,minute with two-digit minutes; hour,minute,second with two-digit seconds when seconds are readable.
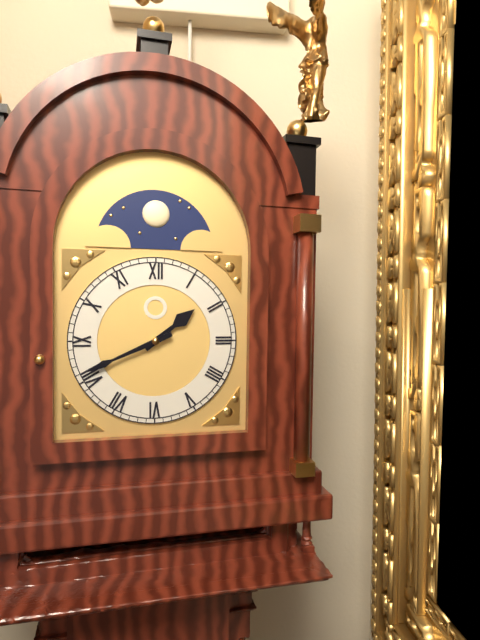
1,41
